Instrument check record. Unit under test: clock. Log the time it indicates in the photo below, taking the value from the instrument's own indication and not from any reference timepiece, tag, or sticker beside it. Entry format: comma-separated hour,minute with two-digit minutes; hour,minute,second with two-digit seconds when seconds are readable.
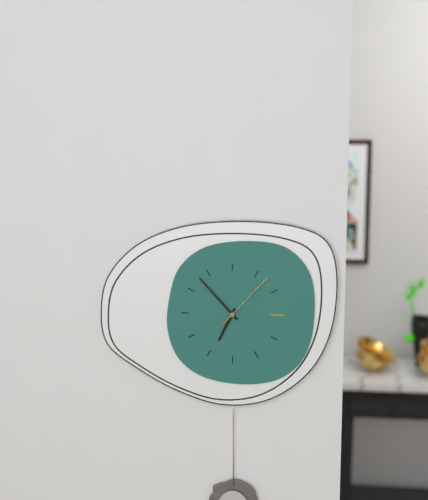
6,53,07
